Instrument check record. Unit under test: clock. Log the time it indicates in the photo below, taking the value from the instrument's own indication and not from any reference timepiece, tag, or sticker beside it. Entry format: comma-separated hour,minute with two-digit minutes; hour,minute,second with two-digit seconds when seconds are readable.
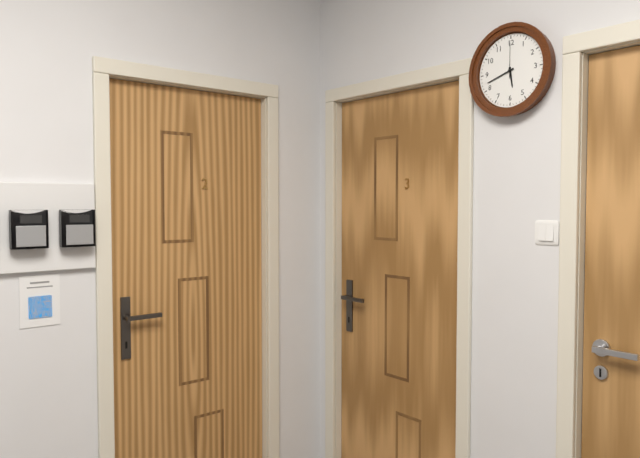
5,42
